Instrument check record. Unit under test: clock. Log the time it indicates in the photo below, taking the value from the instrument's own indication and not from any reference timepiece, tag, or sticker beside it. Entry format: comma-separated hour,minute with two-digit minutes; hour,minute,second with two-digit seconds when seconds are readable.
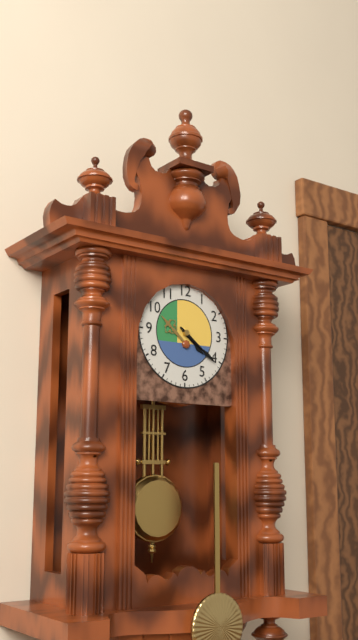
4,21
